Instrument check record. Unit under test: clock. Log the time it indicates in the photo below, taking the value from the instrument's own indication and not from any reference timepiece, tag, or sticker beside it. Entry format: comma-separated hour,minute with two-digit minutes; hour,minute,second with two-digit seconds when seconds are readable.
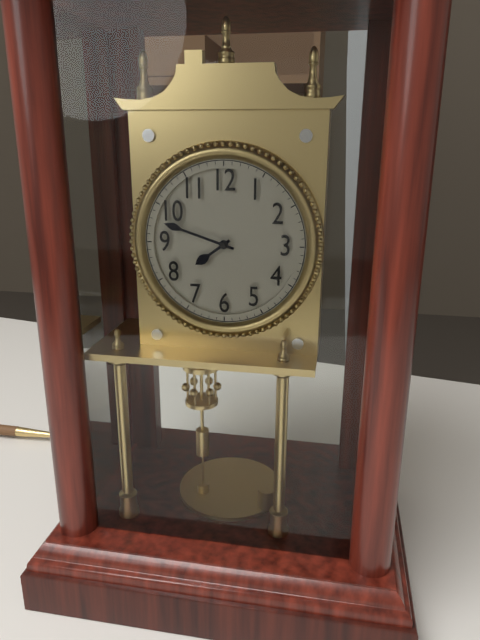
7,48
